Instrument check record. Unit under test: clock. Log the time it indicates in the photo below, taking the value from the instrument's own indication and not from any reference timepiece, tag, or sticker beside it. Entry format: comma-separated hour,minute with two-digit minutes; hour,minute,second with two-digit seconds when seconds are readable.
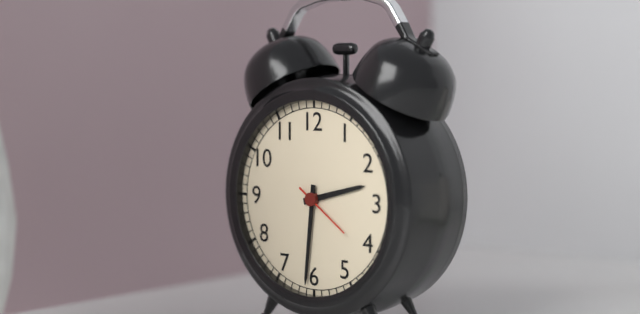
2,31,21
